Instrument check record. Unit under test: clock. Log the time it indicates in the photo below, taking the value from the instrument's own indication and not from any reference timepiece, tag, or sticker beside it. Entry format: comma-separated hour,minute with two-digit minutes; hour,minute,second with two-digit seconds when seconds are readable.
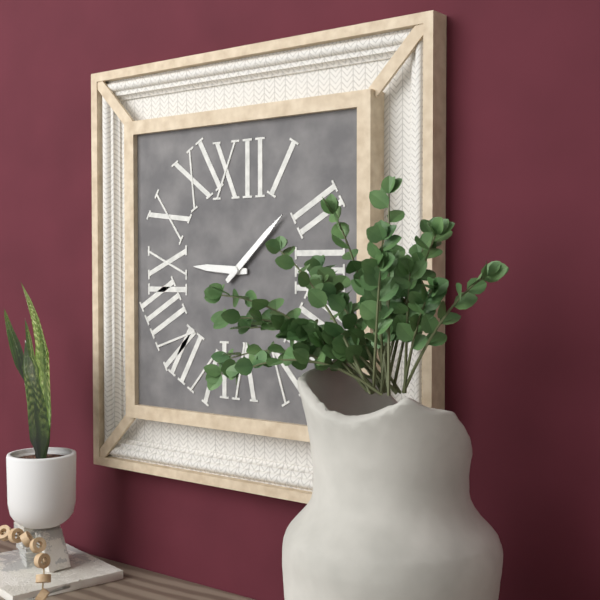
9,08
